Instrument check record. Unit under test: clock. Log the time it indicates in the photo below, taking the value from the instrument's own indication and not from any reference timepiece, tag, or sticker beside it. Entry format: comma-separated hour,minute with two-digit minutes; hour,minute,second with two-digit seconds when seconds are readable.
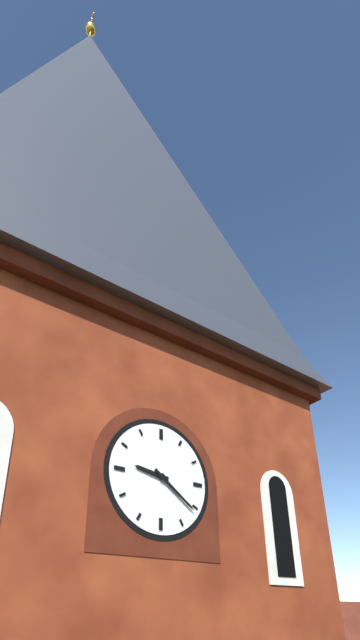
9,21
